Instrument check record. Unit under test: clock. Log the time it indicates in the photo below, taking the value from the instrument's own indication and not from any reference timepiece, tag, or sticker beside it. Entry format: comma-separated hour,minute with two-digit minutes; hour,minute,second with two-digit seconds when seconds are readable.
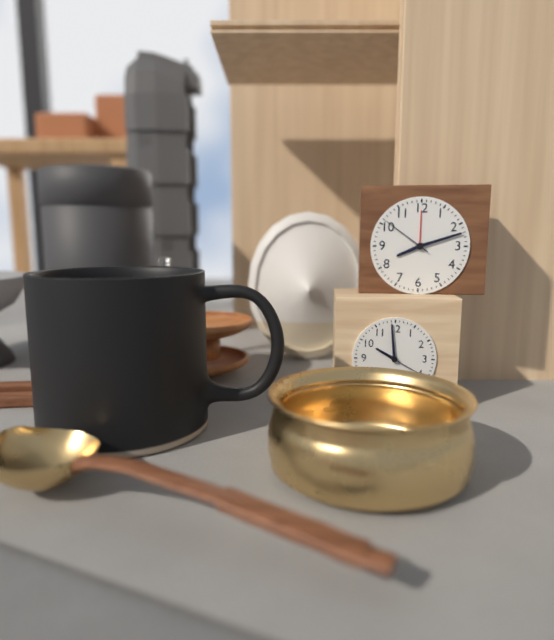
8,12,51
